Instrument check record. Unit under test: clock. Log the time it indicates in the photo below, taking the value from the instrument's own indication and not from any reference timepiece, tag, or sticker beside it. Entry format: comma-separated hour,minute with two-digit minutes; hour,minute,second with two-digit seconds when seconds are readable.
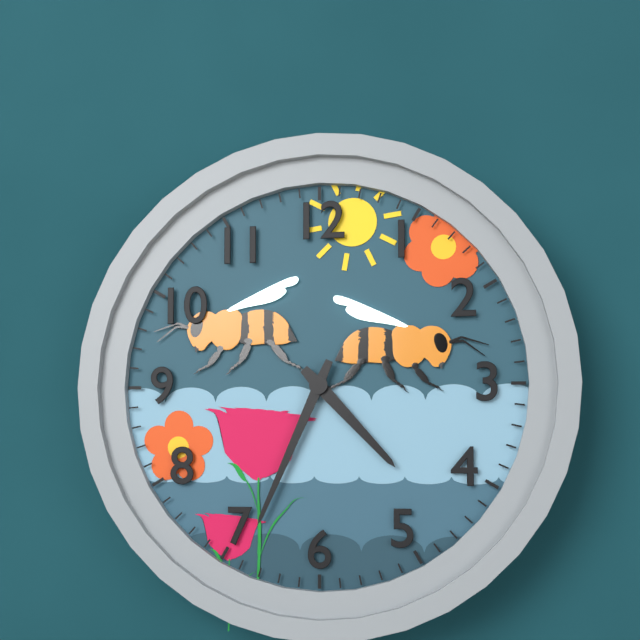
4,34
